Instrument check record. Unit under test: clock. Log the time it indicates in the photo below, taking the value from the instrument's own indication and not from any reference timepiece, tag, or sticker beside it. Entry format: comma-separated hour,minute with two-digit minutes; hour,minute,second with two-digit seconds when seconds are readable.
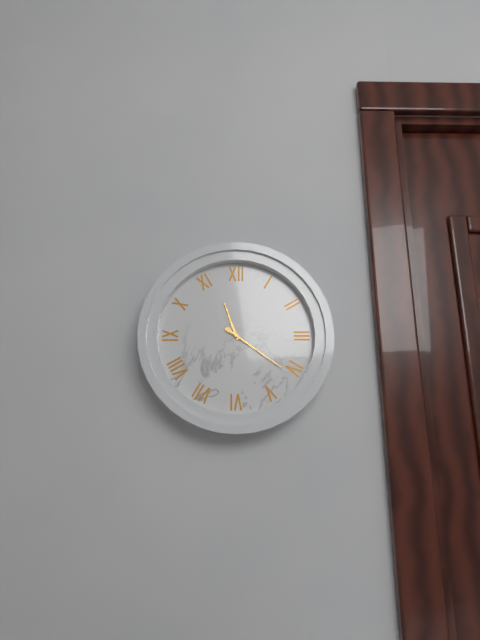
11,21
